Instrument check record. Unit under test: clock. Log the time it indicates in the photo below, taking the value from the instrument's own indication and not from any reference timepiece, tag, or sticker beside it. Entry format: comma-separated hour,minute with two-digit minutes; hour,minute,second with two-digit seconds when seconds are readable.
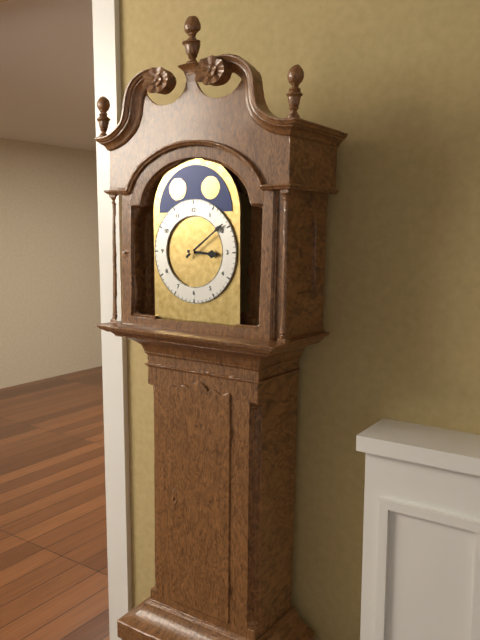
3,09
